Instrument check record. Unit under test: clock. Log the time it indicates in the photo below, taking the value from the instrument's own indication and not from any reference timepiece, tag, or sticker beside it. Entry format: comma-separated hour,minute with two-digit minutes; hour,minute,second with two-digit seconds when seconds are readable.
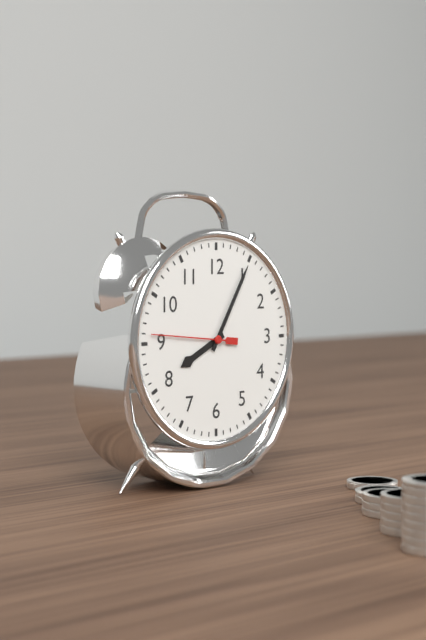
8,05,46
